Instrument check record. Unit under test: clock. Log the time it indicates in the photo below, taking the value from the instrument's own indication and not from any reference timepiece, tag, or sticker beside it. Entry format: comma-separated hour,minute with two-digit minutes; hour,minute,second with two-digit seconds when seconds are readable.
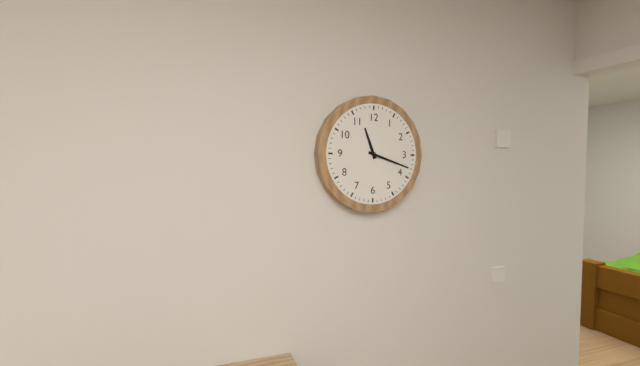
11,18
